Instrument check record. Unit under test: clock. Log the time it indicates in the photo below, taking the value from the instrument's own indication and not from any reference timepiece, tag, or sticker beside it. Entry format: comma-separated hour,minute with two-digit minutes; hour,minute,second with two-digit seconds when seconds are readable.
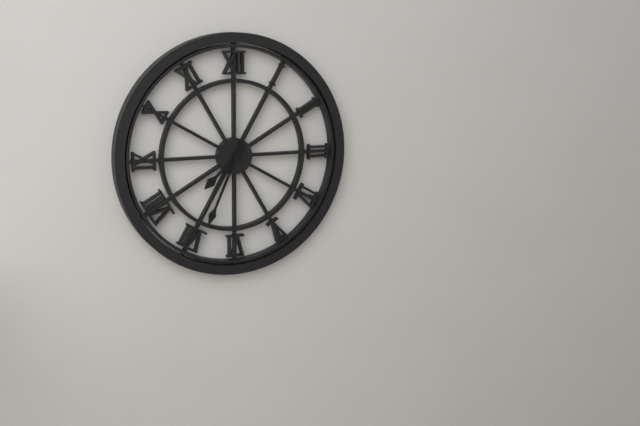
7,34
